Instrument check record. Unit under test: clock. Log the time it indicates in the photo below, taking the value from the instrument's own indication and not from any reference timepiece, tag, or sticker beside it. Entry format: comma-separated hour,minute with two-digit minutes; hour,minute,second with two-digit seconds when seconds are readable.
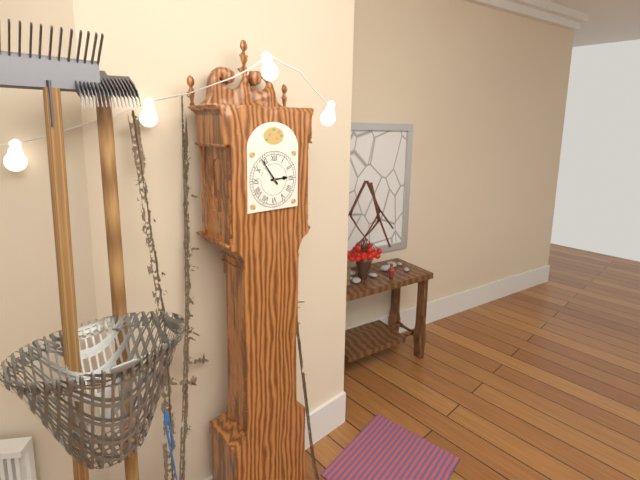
2,54
